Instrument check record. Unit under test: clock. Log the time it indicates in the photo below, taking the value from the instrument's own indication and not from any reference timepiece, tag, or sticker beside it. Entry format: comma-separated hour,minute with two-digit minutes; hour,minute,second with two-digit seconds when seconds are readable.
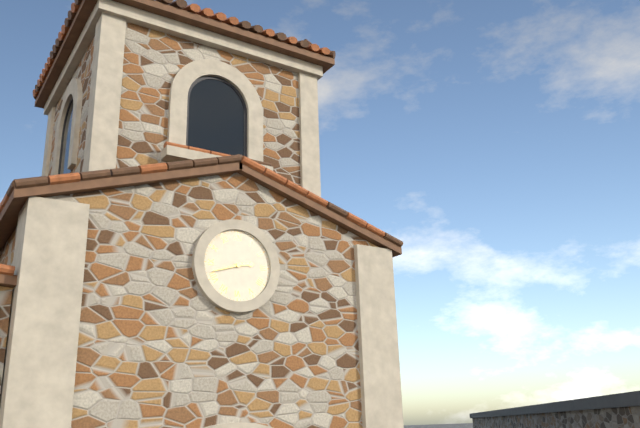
2,42
